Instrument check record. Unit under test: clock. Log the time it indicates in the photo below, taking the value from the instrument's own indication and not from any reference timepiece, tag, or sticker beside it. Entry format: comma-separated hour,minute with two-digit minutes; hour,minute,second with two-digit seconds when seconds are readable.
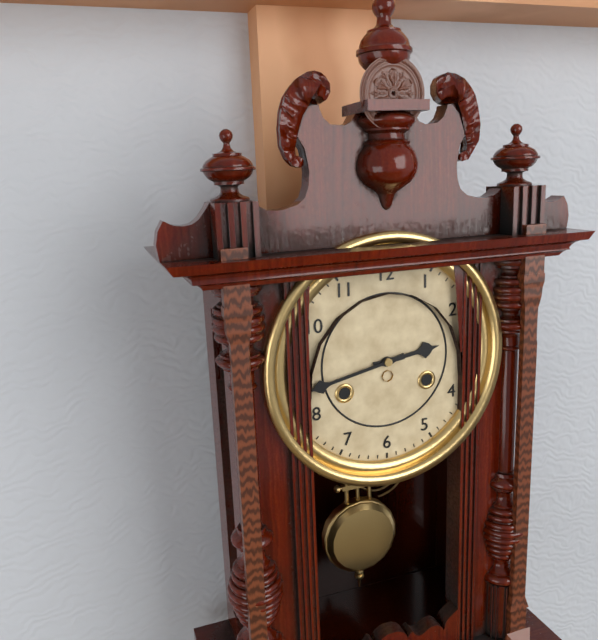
2,43
